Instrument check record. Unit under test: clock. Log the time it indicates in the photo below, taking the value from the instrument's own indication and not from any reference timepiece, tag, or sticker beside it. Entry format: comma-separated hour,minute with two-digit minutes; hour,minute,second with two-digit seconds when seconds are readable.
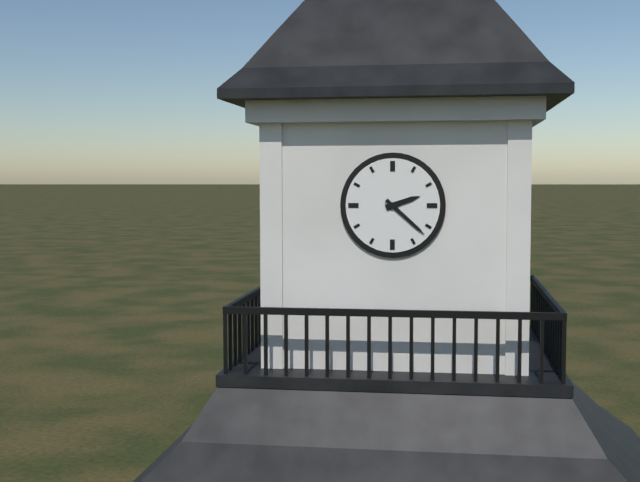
2,22
